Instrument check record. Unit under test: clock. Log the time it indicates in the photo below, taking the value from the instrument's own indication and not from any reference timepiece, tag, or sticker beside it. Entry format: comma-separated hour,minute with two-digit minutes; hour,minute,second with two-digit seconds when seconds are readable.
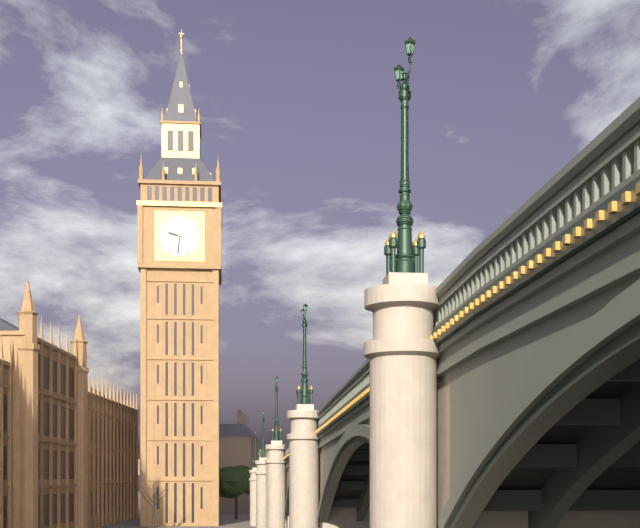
9,31
